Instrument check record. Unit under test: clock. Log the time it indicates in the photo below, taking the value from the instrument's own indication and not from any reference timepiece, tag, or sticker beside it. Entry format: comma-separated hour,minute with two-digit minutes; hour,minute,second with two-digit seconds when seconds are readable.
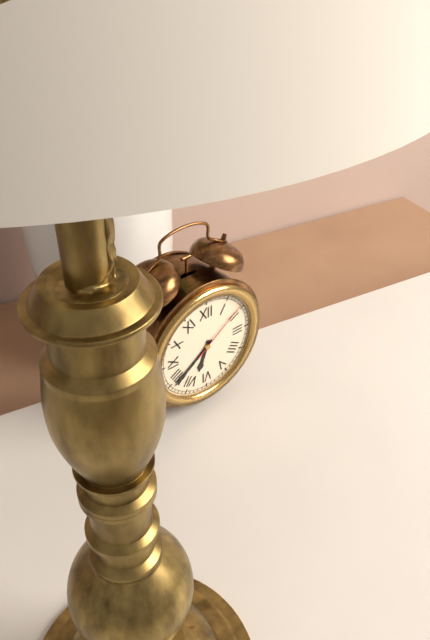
6,39,09
